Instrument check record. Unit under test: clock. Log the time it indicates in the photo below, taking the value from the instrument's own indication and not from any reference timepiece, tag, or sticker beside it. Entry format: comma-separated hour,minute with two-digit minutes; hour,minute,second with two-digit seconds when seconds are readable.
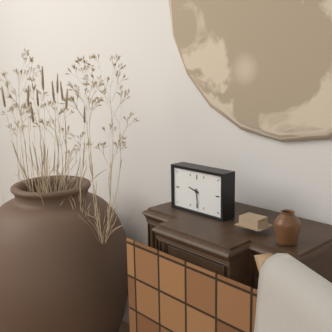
9,29
